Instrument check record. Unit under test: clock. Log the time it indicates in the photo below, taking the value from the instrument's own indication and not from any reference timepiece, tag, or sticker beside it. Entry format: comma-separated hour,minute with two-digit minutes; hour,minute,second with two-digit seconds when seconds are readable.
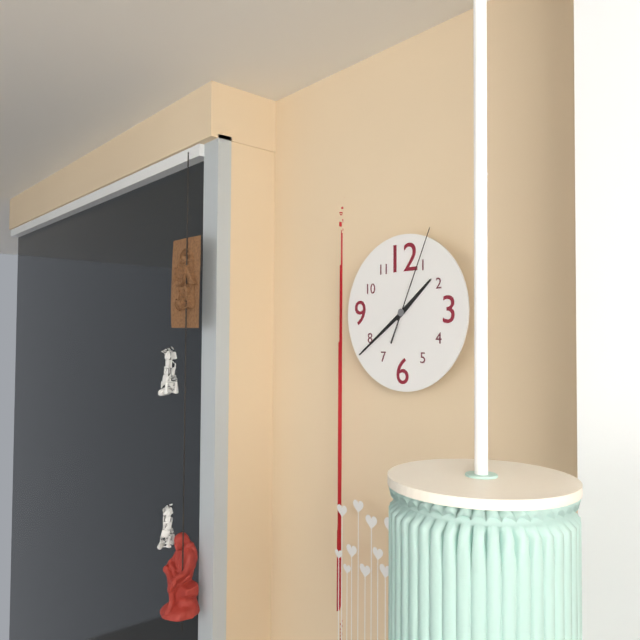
1,39,04
